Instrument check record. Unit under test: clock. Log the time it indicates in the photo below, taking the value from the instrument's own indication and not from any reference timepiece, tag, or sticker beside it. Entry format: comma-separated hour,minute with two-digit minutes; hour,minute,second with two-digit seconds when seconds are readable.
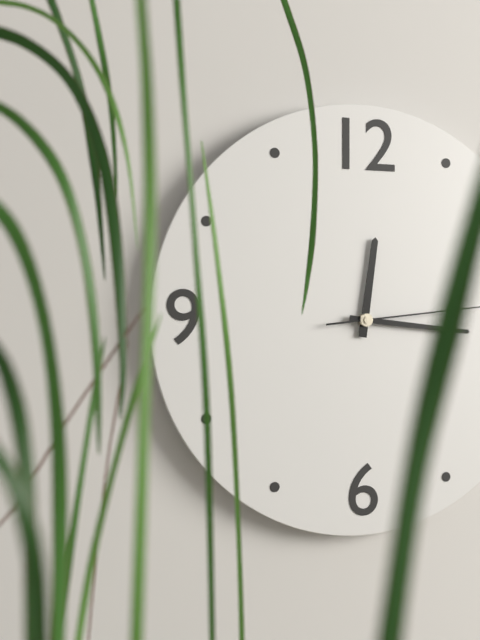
12,16
